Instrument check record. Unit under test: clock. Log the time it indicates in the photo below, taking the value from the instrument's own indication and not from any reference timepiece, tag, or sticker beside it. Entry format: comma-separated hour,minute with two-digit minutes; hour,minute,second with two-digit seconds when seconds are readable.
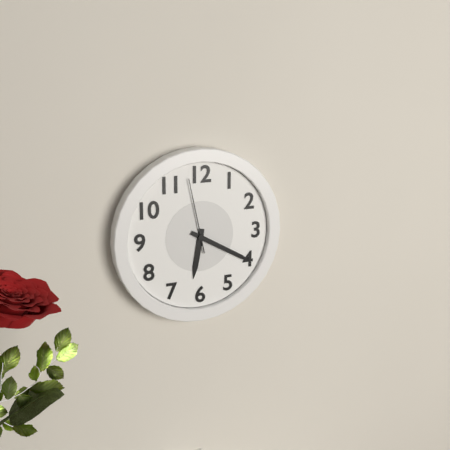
6,20,58
